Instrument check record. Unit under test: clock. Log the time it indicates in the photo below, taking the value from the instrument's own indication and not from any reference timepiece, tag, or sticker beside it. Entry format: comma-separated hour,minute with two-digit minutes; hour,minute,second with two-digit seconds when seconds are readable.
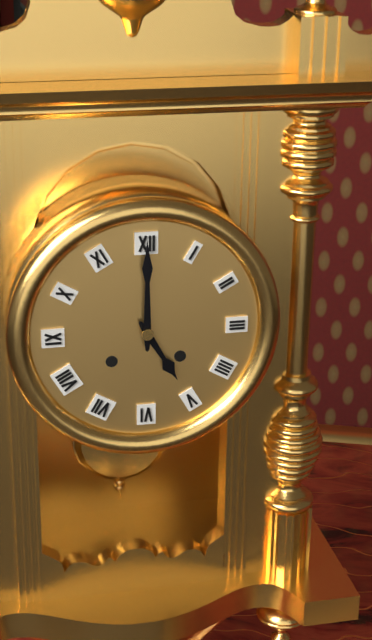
5,00
